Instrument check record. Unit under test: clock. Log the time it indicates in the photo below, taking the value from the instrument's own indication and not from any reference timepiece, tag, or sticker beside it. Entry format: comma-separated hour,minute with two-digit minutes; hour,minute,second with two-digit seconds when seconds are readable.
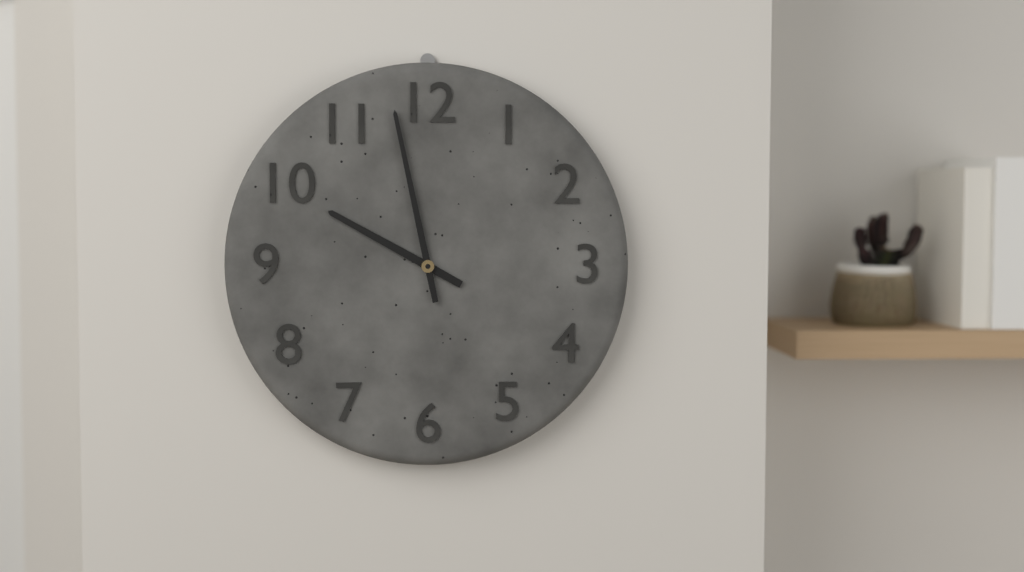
9,58
